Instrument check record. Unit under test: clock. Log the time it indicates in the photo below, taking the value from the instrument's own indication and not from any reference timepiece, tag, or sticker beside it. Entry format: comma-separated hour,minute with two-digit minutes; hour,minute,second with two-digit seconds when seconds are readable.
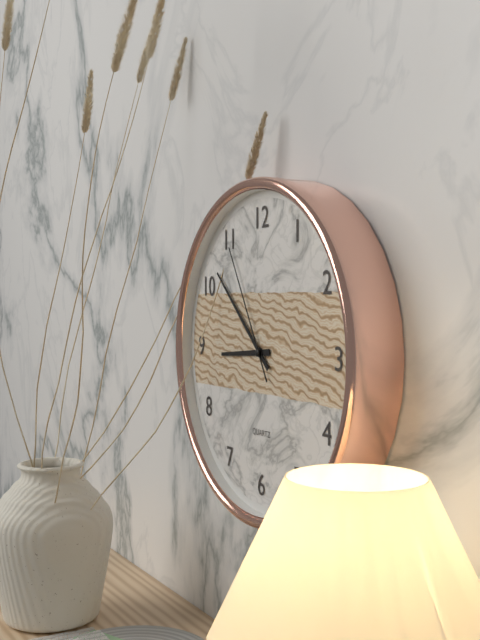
8,52,55
